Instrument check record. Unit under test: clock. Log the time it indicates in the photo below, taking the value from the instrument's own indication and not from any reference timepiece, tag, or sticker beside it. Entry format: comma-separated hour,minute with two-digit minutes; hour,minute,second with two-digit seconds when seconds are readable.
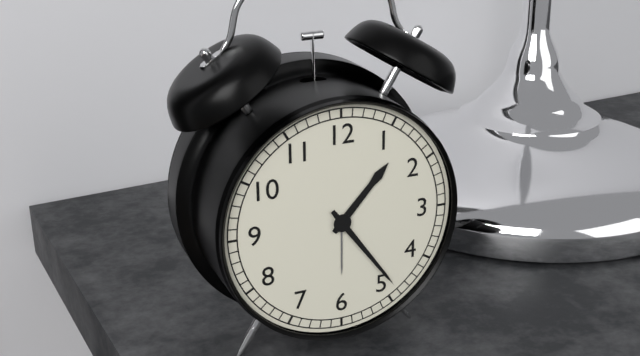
1,24
